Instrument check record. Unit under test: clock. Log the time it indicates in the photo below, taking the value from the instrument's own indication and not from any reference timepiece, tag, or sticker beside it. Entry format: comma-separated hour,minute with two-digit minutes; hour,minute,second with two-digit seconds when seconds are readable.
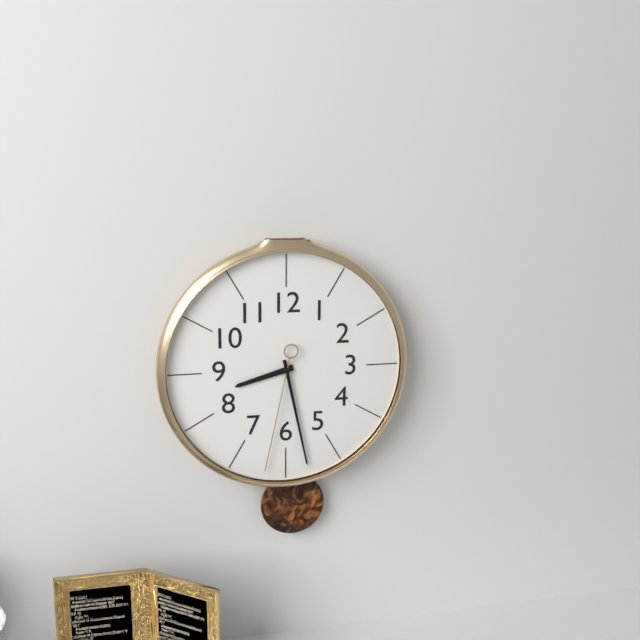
8,28,32
